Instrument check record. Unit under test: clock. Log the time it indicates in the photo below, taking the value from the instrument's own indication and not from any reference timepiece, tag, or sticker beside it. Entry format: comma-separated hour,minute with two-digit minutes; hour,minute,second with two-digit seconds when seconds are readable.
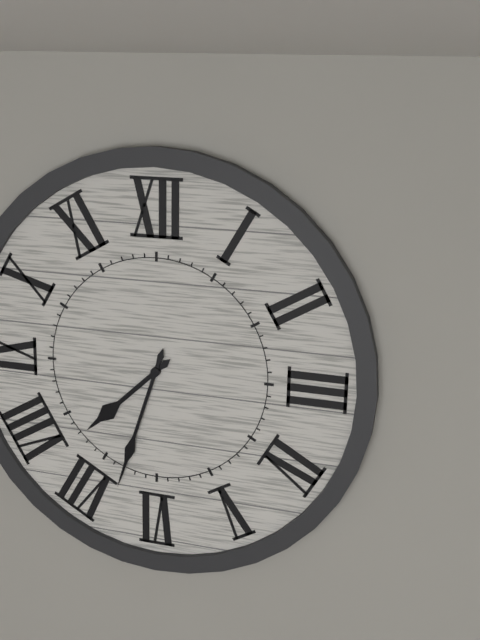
7,33
